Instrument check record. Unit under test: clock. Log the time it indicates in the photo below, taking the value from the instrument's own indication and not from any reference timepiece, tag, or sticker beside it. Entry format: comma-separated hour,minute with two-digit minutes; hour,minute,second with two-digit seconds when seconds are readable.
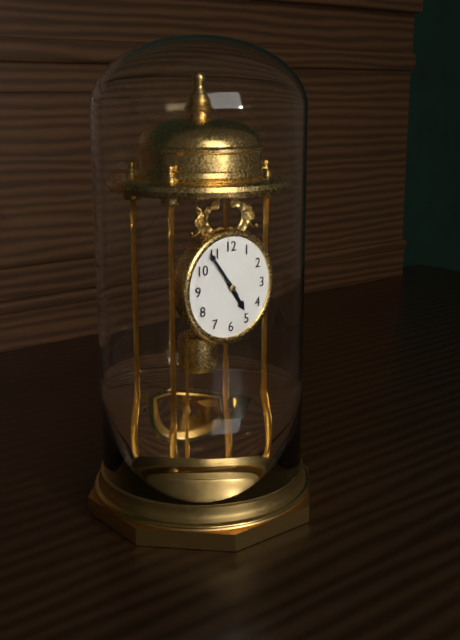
4,54
